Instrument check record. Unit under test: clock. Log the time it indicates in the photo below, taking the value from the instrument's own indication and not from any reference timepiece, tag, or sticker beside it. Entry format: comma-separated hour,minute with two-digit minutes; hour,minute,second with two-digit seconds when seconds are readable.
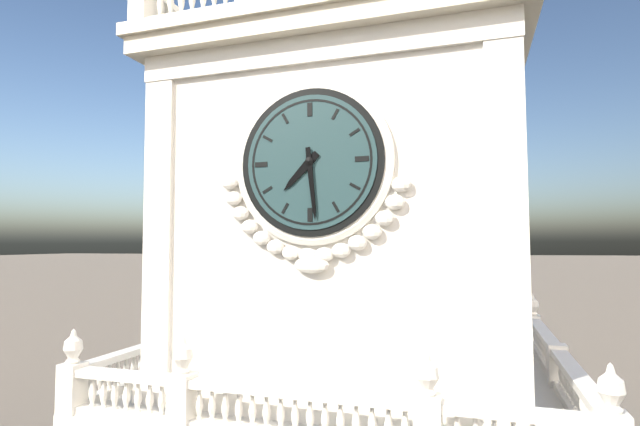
7,29
